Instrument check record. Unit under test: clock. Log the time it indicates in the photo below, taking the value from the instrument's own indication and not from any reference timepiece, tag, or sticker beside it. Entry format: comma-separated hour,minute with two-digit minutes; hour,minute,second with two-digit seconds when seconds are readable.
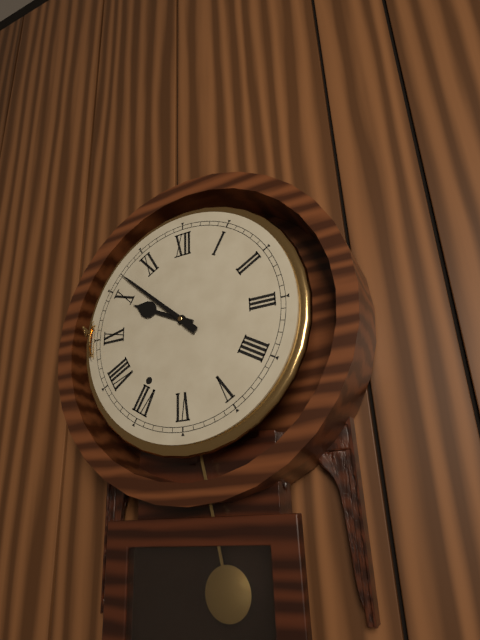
9,52
